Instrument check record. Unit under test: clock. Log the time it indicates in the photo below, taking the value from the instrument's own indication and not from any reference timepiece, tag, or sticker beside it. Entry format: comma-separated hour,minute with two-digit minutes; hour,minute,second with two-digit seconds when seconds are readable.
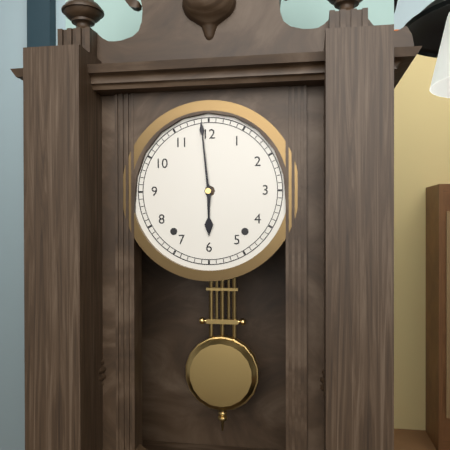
5,59
